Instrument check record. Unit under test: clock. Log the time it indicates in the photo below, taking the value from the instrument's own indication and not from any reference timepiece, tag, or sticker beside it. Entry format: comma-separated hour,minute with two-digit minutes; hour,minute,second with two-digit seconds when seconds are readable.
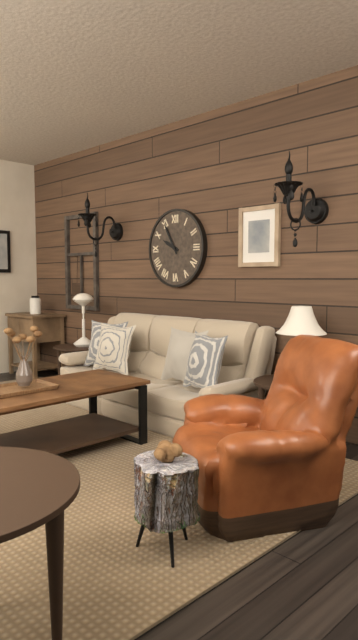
9,55
